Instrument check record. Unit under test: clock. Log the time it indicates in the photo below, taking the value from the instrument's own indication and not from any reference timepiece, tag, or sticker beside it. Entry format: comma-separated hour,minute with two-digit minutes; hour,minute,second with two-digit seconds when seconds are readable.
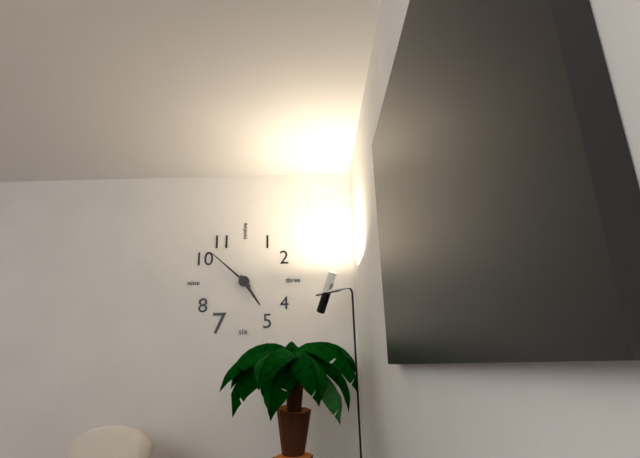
4,52
